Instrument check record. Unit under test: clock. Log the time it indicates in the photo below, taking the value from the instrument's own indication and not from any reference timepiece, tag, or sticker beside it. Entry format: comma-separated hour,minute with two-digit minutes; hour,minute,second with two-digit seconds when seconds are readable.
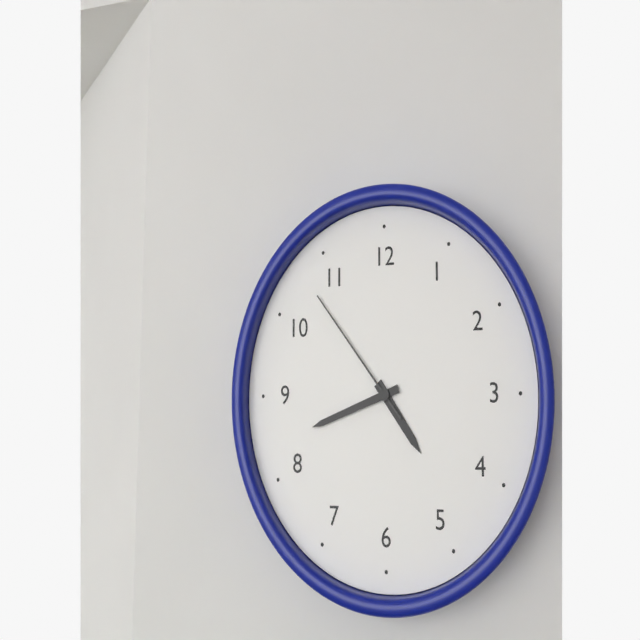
4,42,53
